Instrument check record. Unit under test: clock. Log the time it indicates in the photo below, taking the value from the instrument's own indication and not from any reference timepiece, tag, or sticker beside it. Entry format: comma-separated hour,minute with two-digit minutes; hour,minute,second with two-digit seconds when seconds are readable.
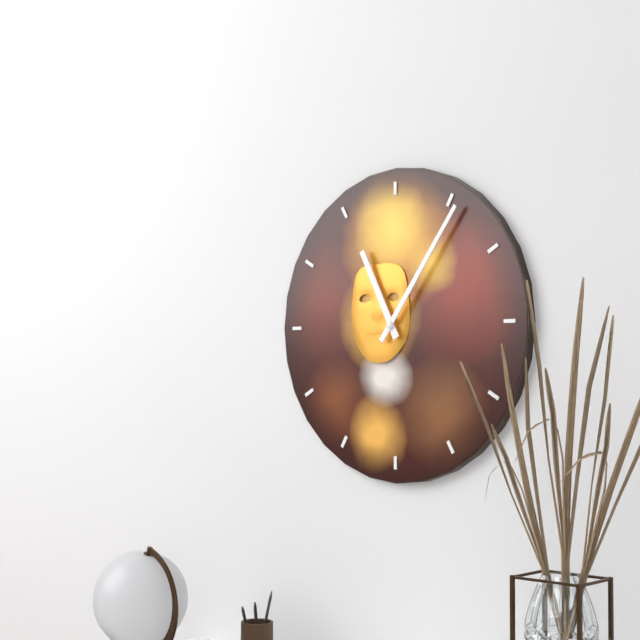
11,06
